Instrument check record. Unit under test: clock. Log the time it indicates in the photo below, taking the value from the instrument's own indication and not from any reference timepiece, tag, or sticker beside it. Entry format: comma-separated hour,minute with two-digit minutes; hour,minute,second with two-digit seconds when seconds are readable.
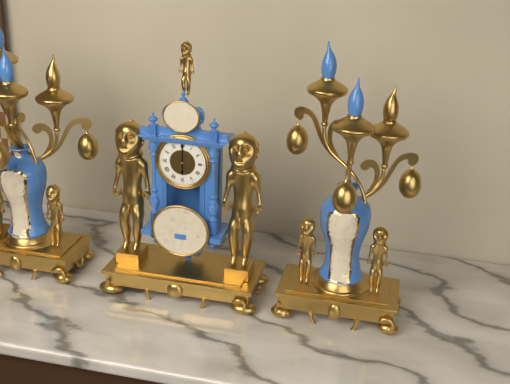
6,00
